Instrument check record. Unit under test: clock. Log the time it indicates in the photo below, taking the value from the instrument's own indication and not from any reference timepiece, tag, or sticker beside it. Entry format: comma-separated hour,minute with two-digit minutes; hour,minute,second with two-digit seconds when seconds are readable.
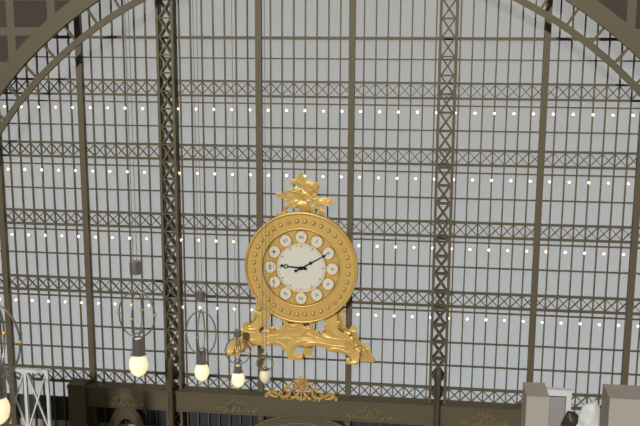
9,10
